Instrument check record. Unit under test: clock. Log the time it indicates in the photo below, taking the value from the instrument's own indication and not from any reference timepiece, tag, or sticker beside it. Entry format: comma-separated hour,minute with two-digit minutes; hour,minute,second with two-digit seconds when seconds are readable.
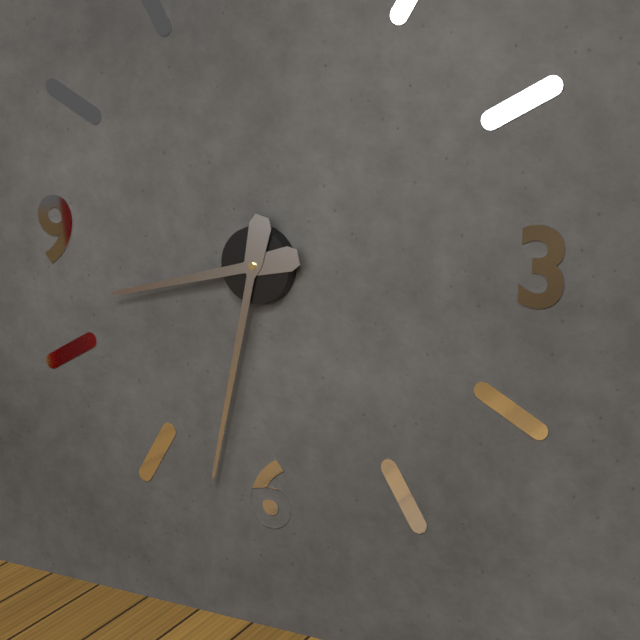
8,32
